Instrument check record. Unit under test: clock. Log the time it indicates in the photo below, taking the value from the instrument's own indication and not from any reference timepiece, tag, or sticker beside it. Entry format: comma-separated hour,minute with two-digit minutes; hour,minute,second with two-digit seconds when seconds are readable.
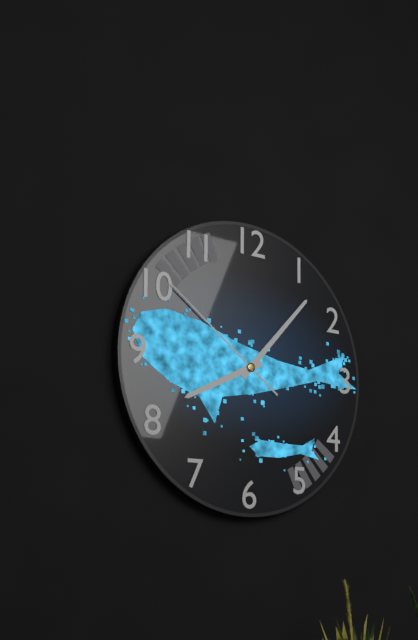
8,07,51
